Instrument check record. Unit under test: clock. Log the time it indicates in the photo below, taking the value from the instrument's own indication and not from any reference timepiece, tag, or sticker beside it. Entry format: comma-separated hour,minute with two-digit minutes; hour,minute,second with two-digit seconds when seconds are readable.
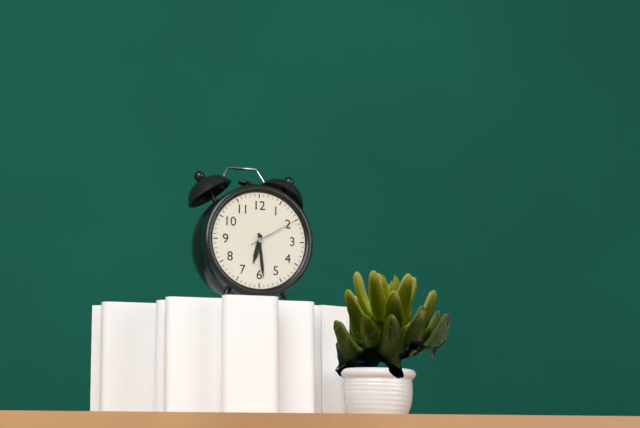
6,29
